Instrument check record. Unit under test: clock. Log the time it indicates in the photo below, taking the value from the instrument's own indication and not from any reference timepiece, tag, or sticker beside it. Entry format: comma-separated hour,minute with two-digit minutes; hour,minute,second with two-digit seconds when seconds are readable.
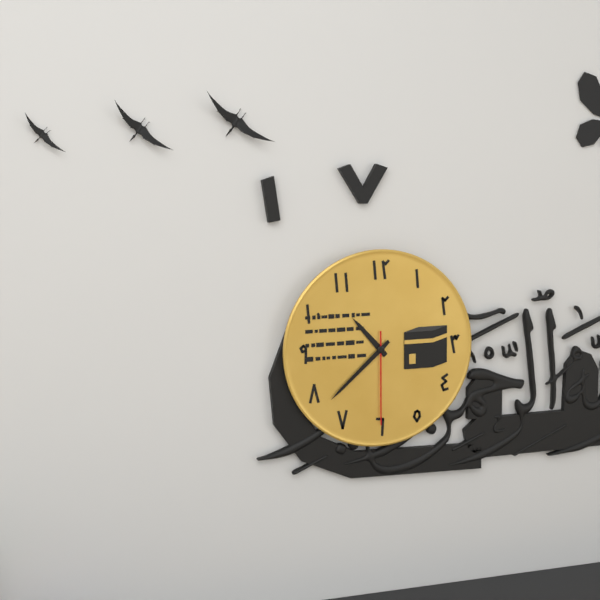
10,38,30
